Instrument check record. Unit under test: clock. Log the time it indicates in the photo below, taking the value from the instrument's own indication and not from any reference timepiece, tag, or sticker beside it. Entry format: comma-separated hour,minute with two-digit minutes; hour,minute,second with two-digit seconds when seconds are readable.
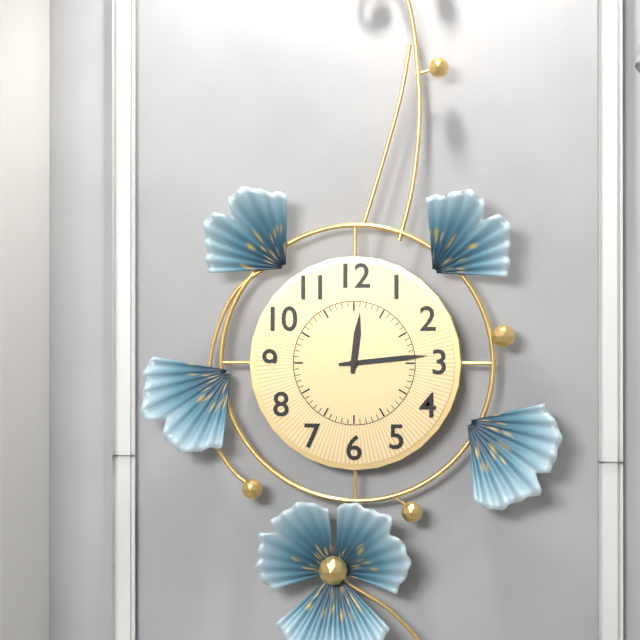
12,14
